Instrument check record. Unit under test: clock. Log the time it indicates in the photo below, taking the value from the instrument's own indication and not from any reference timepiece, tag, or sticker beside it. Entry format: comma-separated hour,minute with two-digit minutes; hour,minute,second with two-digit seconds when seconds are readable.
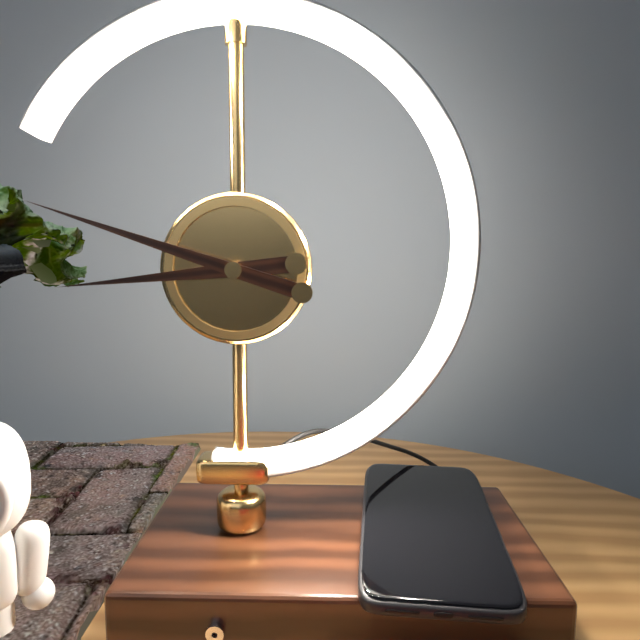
8,48
